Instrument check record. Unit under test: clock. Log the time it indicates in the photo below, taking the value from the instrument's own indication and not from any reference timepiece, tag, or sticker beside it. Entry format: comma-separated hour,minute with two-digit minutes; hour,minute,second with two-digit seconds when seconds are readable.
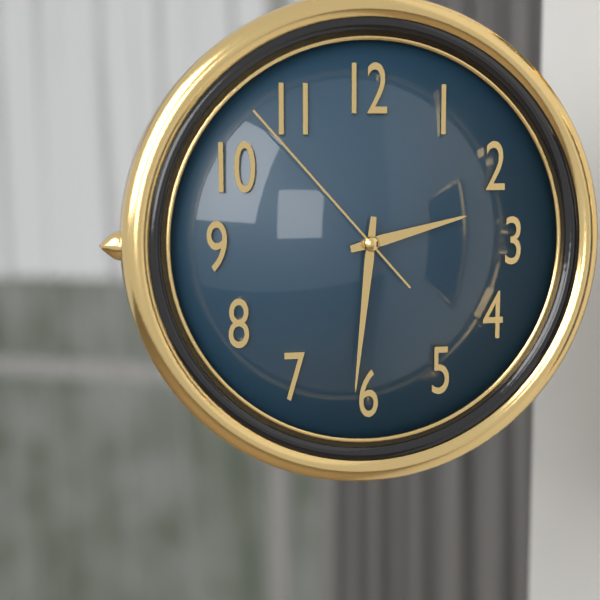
2,31,53
